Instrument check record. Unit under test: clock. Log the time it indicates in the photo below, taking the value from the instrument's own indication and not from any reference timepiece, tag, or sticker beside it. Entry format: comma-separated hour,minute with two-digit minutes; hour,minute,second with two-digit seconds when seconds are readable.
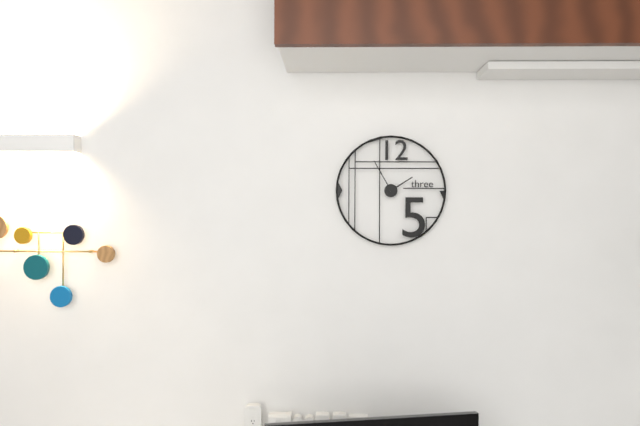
1,55
